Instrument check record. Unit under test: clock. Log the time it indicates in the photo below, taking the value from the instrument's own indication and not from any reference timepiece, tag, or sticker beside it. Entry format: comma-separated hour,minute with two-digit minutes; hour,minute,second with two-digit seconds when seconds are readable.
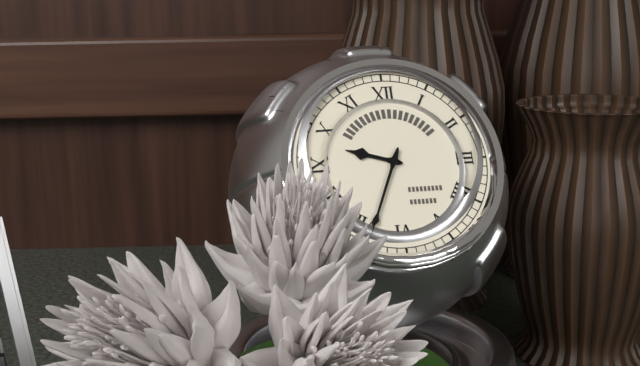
9,34
